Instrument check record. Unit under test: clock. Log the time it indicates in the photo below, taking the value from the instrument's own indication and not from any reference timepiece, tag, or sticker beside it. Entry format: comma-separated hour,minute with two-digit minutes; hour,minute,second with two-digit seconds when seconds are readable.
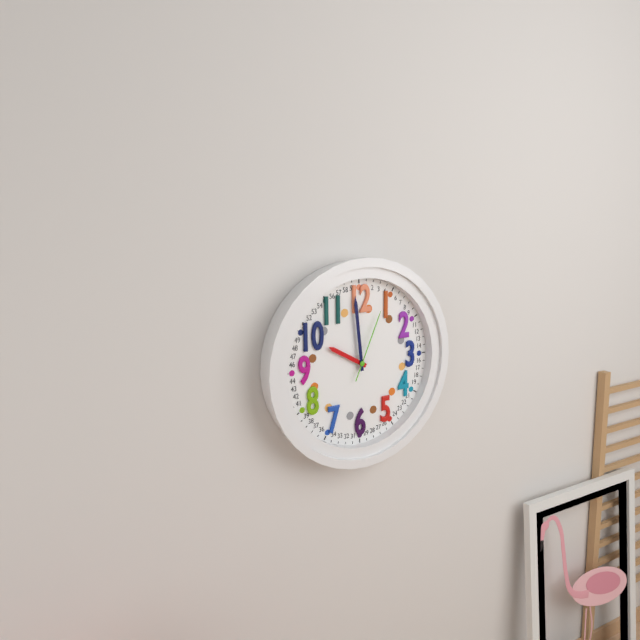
9,59,04
